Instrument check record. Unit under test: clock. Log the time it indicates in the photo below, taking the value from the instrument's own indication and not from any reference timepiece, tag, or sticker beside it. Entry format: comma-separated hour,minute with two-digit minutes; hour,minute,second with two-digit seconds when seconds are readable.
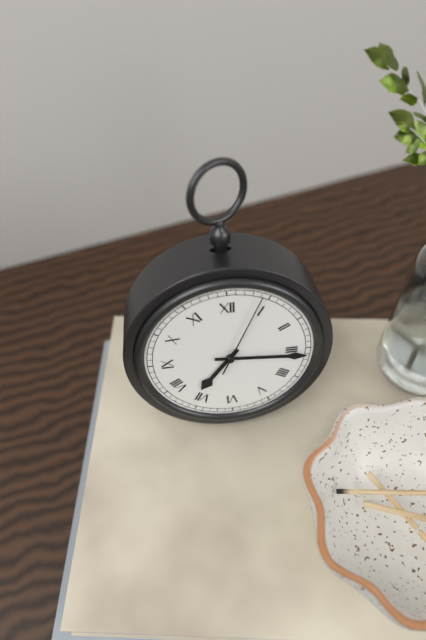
7,16,04
